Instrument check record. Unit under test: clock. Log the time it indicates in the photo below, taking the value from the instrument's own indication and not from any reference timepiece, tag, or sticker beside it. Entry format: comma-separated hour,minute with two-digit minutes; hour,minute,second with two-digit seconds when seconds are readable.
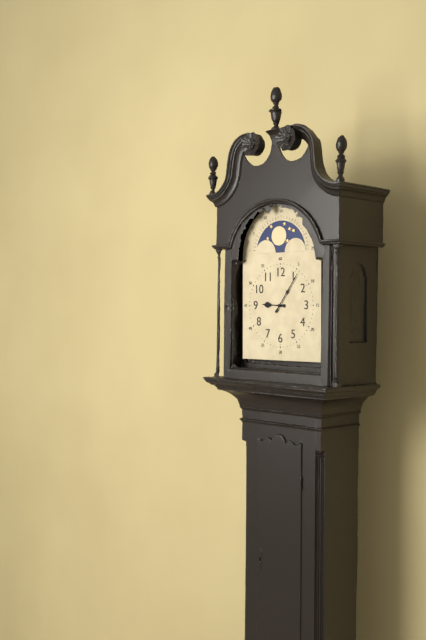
9,06
